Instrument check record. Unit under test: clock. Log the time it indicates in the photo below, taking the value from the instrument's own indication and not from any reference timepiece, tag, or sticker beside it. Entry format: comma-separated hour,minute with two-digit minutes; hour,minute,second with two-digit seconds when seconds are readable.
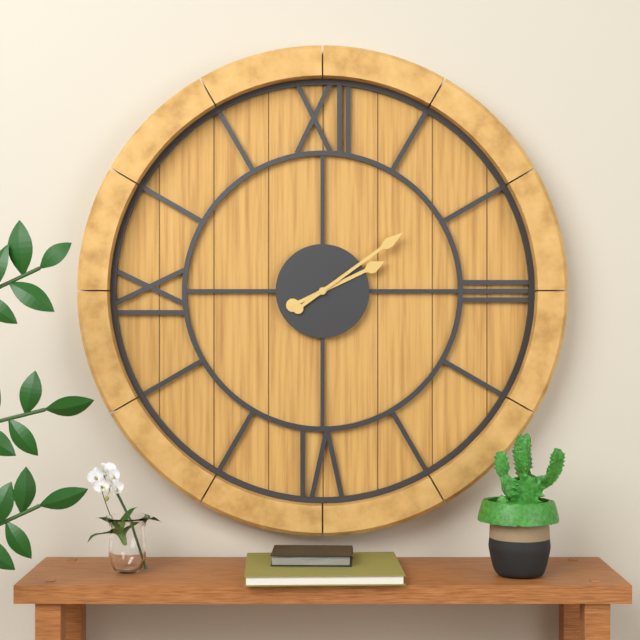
2,09
